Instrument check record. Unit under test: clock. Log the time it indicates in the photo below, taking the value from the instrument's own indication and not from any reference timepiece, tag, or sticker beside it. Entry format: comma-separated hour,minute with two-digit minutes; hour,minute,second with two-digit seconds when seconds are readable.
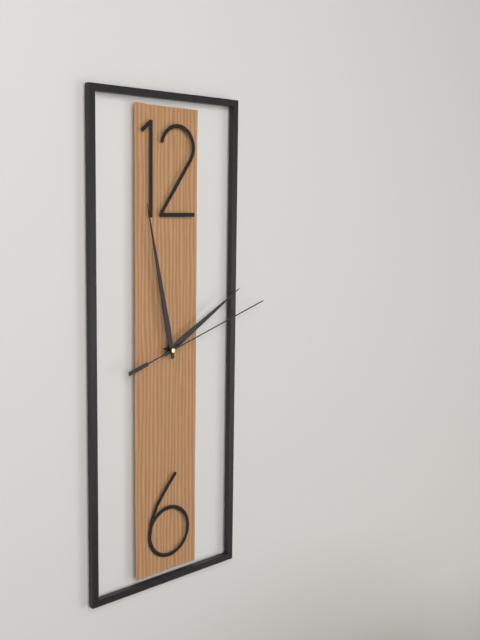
1,58,12
